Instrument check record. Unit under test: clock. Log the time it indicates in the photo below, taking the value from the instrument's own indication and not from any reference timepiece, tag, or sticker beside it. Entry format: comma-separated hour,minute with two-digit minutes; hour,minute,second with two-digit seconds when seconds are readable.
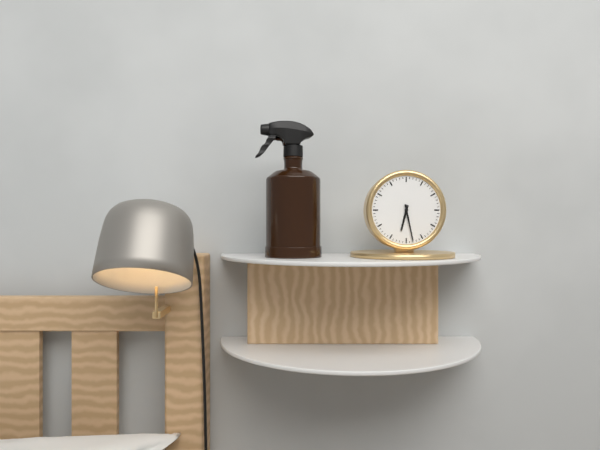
6,28
